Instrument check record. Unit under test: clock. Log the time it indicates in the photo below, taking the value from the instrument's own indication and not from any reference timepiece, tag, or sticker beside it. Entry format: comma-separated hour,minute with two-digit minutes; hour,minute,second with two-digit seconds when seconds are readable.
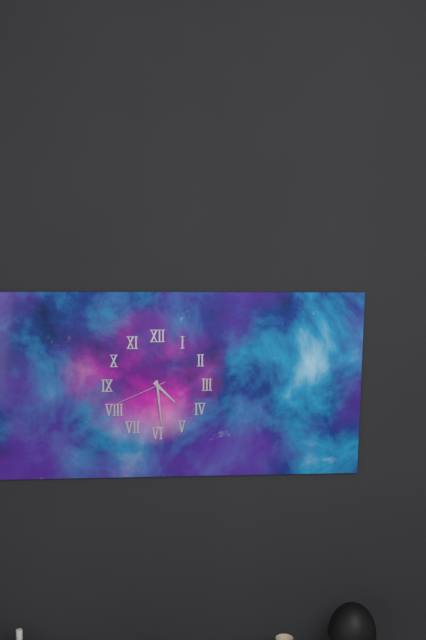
4,29,41
